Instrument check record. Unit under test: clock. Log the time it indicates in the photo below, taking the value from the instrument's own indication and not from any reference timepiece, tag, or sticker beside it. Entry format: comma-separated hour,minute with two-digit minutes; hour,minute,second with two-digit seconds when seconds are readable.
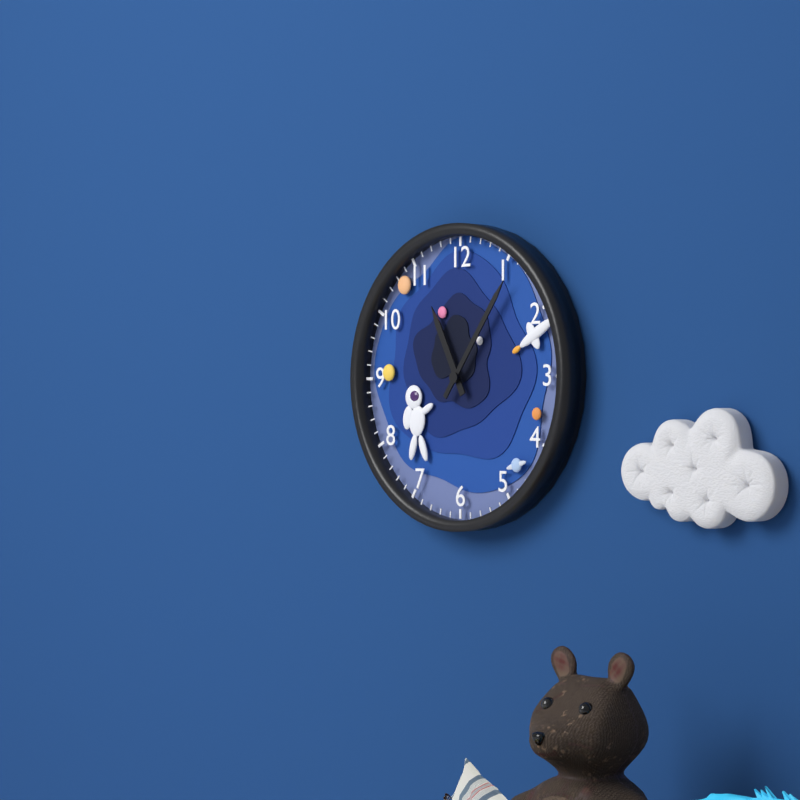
11,06
